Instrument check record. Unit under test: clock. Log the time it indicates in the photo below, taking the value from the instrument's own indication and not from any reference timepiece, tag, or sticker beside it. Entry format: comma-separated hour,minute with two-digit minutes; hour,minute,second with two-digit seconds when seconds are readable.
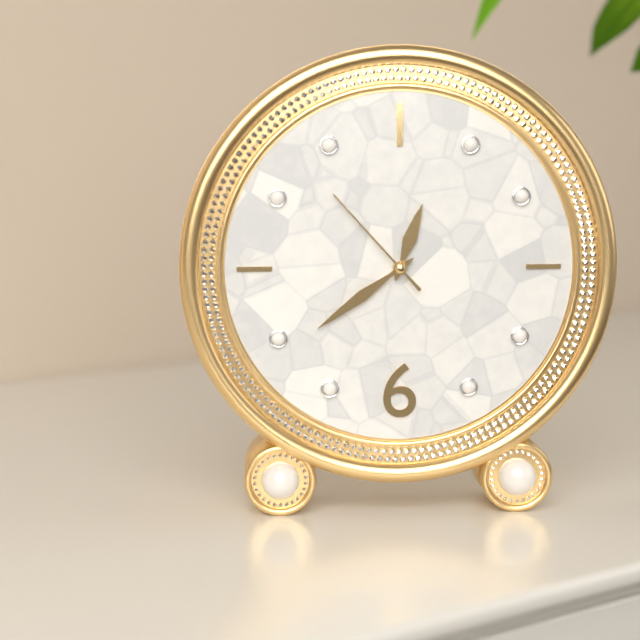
12,39,53
